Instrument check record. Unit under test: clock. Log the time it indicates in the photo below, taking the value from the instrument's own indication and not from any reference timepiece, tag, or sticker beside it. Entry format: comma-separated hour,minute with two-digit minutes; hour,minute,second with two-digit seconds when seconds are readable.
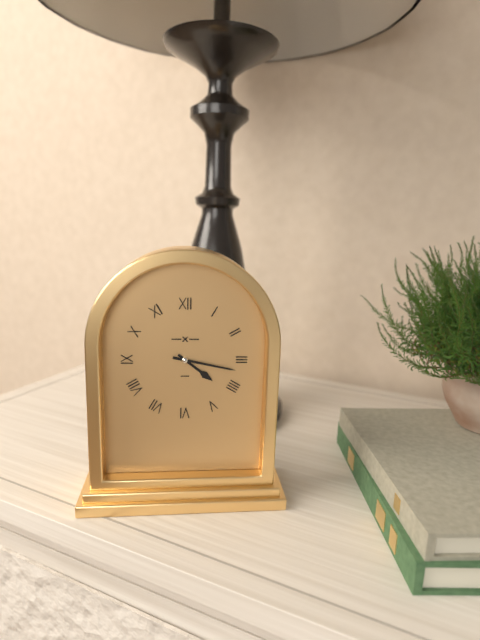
4,17
